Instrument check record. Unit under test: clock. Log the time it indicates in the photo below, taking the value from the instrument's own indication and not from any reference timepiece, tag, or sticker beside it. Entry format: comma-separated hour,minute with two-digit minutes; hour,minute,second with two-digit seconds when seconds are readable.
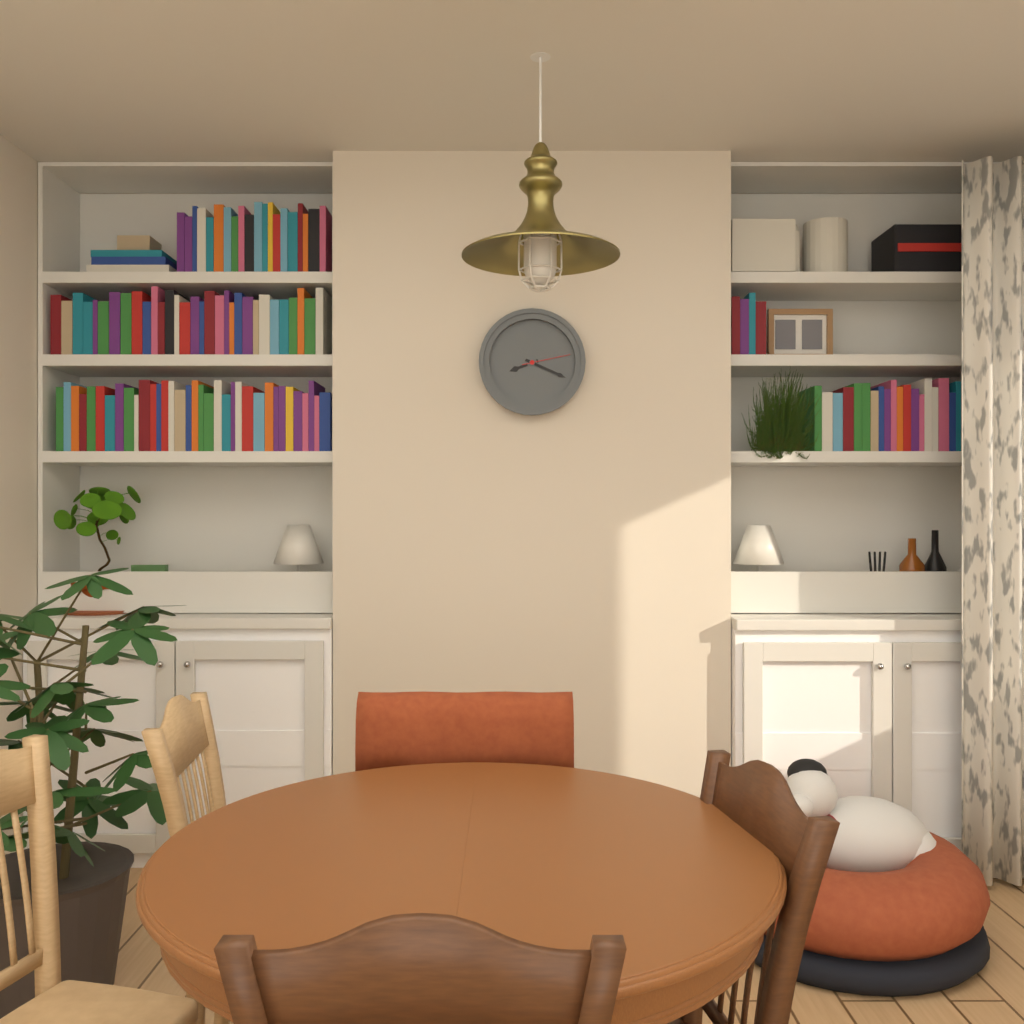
8,19
